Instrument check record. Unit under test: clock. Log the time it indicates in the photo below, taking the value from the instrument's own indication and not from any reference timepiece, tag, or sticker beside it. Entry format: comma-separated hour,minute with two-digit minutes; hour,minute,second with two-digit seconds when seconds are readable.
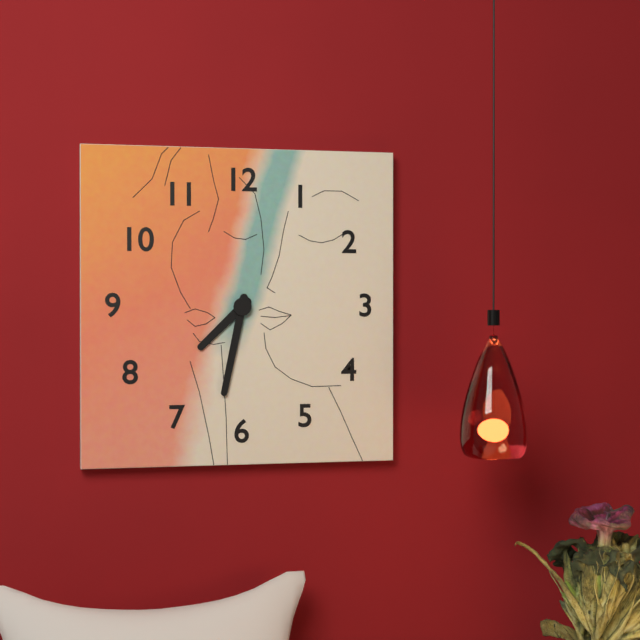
7,32
